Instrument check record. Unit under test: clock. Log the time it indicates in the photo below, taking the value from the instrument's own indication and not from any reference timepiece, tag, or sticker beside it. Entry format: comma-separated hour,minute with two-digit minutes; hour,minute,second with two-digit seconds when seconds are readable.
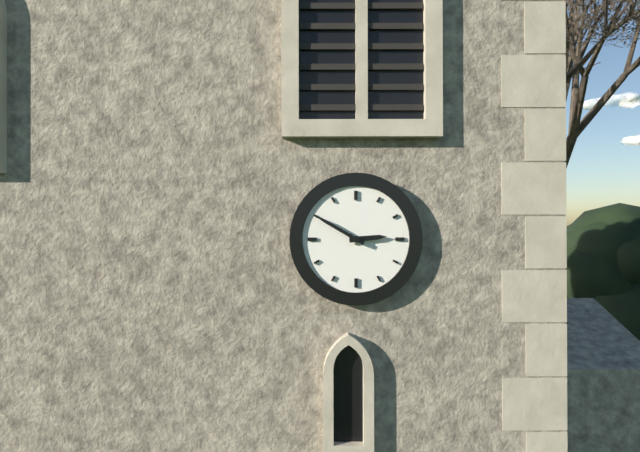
2,50
